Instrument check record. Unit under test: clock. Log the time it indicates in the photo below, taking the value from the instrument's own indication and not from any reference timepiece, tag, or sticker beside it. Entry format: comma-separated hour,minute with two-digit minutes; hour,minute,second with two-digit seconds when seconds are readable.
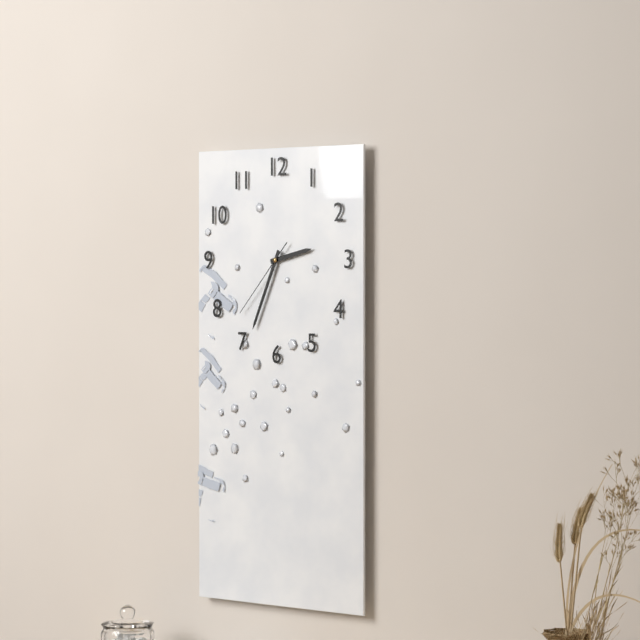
2,34,37
